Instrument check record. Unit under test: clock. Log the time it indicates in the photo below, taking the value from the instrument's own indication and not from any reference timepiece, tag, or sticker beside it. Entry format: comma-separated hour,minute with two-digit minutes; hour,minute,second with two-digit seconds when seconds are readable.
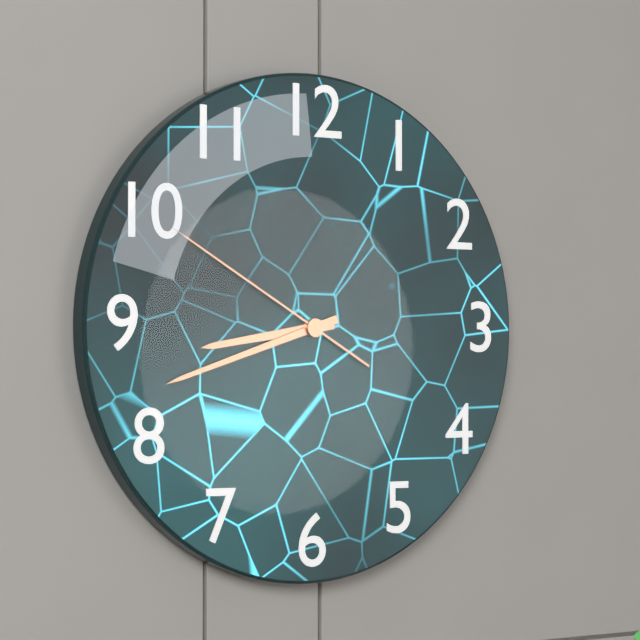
8,42,50
